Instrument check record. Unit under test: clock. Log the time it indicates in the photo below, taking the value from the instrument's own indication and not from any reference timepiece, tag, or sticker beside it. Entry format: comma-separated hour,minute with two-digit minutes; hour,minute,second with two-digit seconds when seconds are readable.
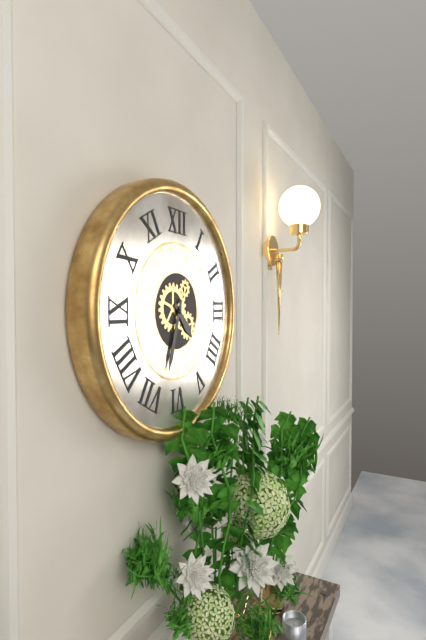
4,33
